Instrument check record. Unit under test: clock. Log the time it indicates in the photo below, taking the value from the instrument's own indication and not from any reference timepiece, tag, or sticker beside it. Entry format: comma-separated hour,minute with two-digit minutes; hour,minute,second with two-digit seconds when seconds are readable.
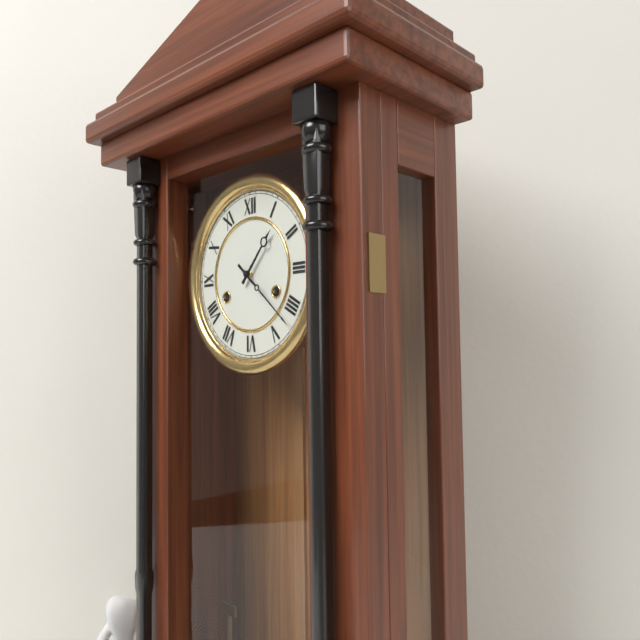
1,22
